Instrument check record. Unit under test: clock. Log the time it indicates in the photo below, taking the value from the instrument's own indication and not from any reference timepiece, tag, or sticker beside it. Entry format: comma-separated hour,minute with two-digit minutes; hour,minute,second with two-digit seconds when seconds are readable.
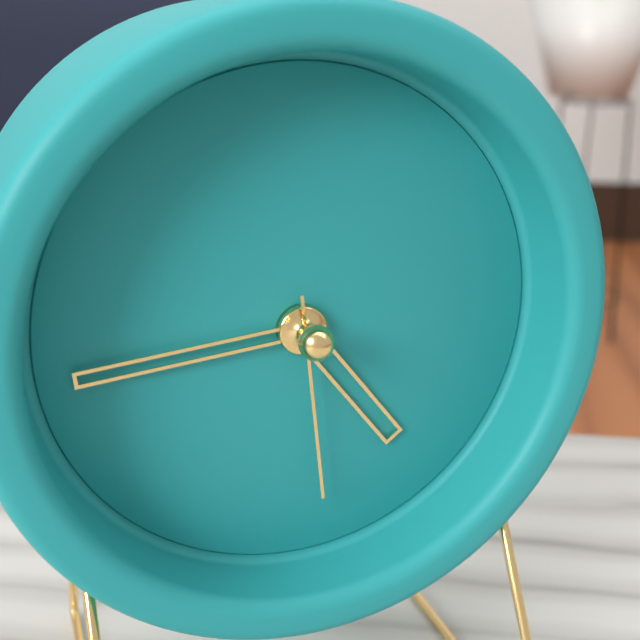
4,44,29
